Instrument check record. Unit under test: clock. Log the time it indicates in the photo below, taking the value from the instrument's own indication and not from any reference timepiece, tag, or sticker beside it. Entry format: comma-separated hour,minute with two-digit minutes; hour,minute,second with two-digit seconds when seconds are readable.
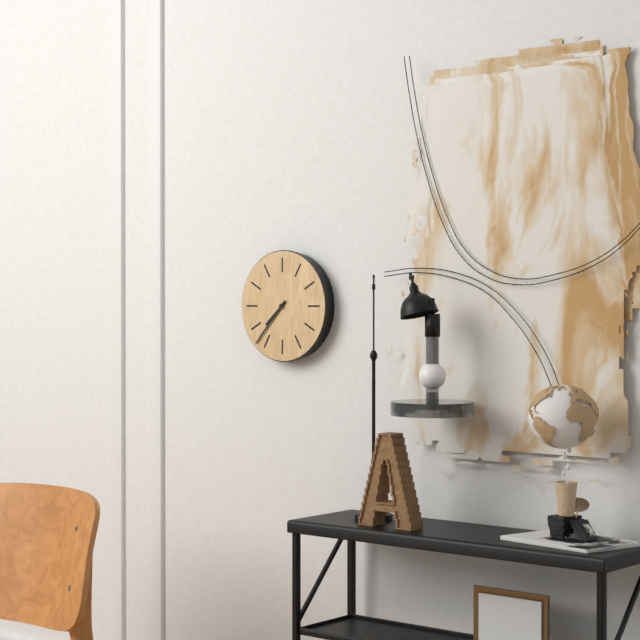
7,37
